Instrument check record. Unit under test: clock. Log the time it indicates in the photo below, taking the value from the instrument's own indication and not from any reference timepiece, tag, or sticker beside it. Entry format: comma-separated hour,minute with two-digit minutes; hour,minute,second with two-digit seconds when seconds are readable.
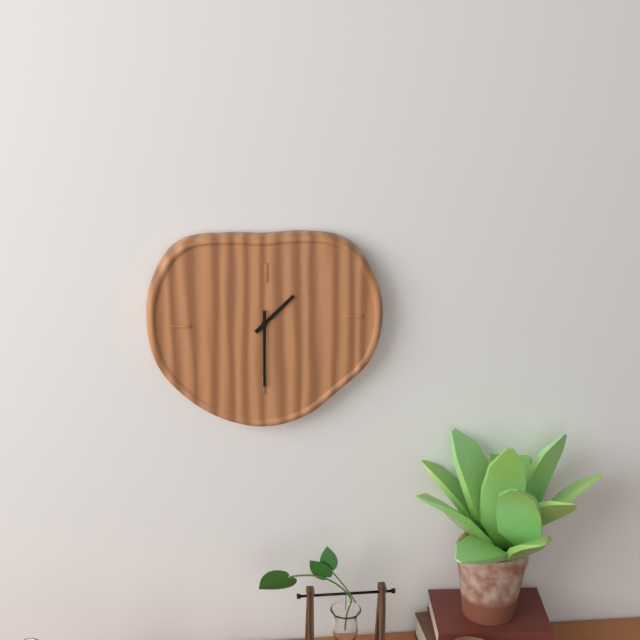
1,30
